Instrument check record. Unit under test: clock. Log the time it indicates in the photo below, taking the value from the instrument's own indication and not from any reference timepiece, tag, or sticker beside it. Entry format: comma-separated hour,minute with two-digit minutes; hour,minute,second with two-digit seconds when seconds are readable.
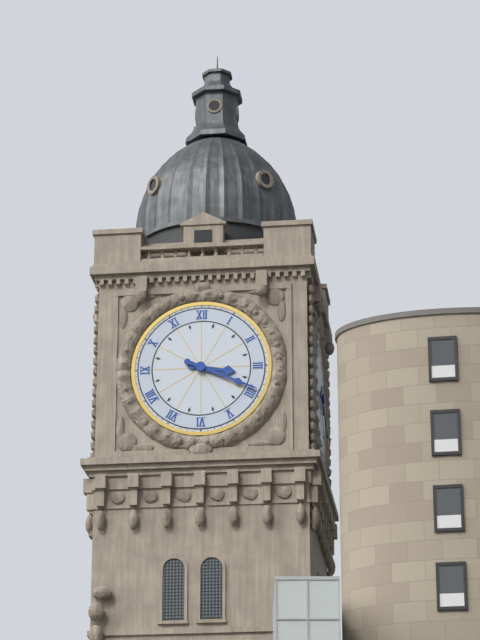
3,19
